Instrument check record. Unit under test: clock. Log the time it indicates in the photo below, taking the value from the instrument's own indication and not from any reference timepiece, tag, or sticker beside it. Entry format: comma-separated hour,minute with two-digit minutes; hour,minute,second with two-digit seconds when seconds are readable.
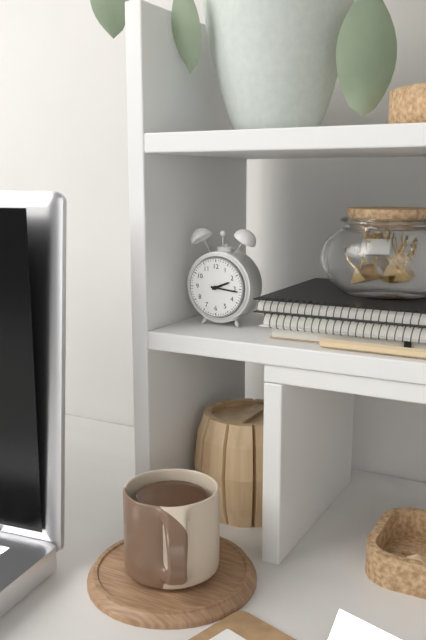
2,16
